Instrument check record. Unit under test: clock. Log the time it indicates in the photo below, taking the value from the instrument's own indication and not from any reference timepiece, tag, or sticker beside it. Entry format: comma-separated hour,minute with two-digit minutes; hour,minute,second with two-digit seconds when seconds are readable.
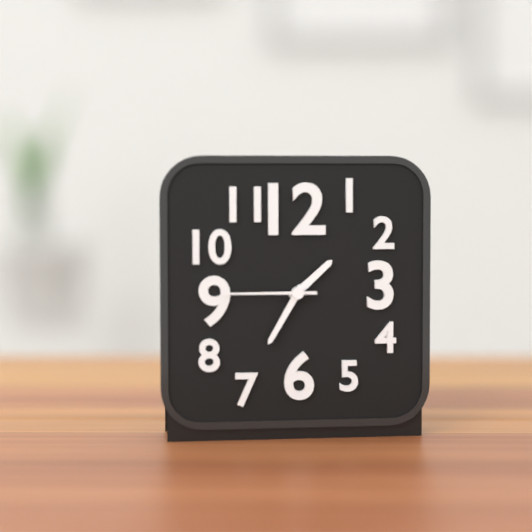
1,35,45
